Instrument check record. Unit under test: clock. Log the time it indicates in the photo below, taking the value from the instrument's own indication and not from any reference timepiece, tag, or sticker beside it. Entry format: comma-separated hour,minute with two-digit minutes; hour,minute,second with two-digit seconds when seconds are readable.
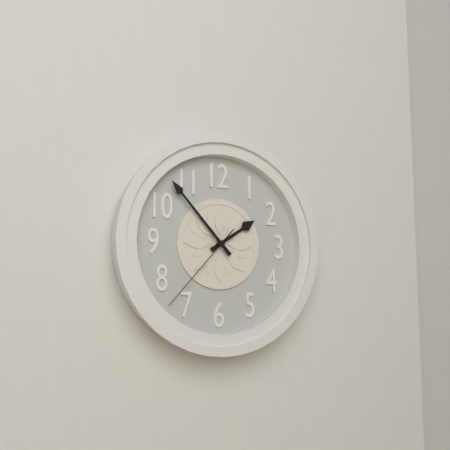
1,53,37
